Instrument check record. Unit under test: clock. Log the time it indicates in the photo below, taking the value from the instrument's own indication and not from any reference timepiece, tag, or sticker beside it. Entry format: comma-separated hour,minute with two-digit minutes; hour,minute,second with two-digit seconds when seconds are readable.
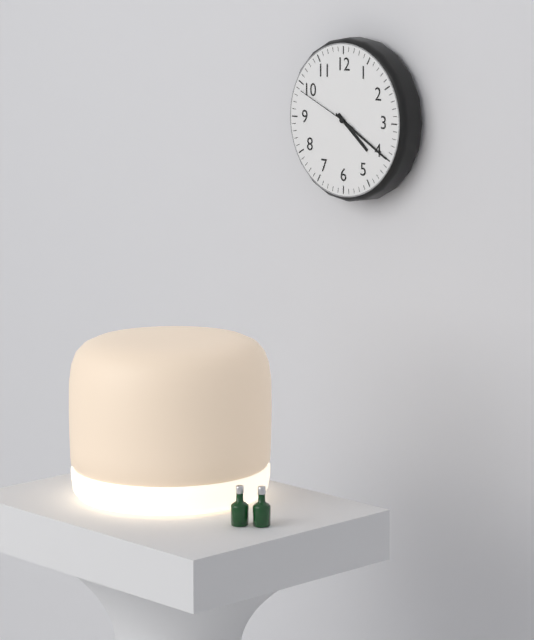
4,20,49
